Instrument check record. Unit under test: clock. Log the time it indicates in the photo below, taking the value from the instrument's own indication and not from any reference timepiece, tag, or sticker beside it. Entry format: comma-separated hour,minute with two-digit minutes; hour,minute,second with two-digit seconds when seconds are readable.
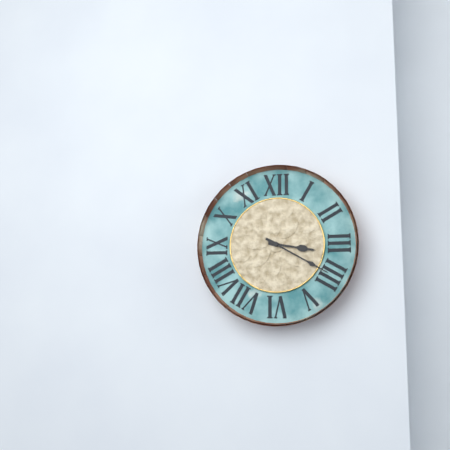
3,20
